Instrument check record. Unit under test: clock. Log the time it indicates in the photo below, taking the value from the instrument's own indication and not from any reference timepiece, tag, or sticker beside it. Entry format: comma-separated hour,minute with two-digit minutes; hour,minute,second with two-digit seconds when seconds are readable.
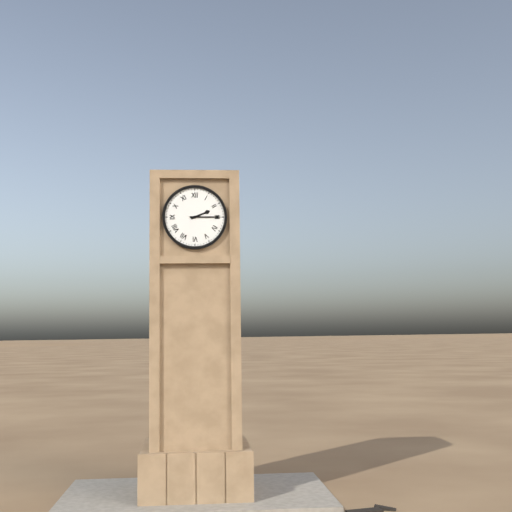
2,15
